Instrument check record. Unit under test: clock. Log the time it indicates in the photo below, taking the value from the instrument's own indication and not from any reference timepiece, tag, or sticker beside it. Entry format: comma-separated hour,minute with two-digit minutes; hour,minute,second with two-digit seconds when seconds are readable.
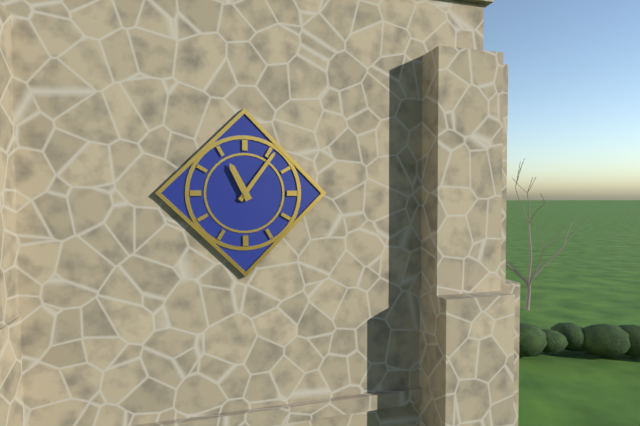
11,06
